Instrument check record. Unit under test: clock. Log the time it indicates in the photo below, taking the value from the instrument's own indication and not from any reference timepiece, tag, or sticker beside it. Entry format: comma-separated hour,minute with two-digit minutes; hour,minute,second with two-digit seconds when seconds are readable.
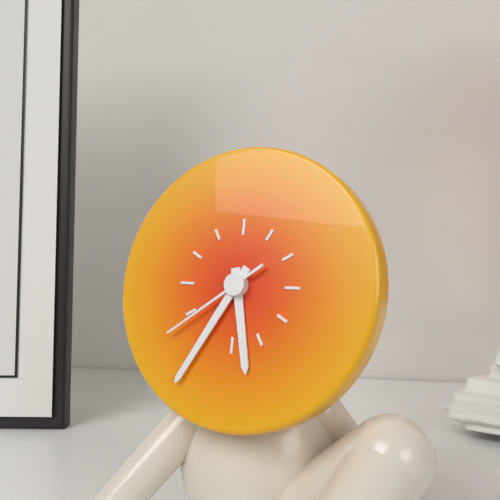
5,35,39
